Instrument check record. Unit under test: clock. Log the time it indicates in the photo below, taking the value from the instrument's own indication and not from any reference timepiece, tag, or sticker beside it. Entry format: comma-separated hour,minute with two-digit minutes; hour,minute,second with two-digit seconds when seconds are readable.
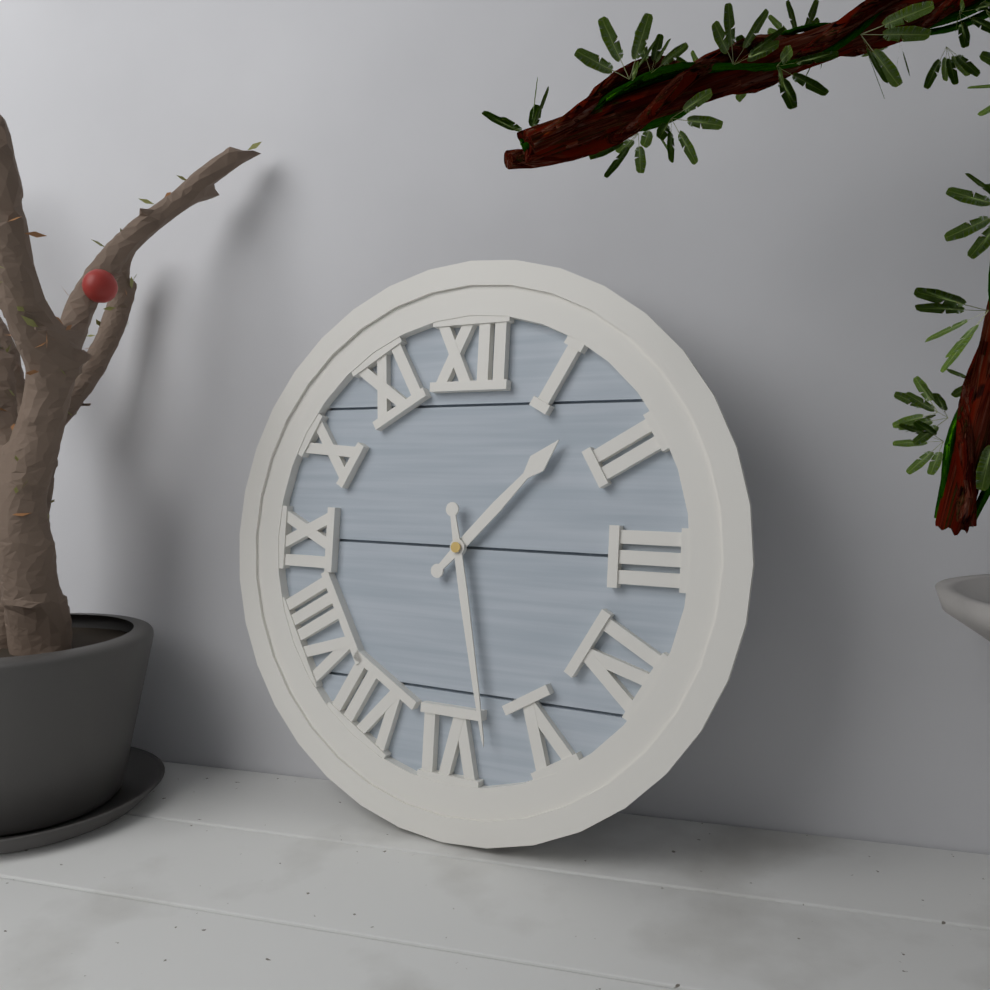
1,28
